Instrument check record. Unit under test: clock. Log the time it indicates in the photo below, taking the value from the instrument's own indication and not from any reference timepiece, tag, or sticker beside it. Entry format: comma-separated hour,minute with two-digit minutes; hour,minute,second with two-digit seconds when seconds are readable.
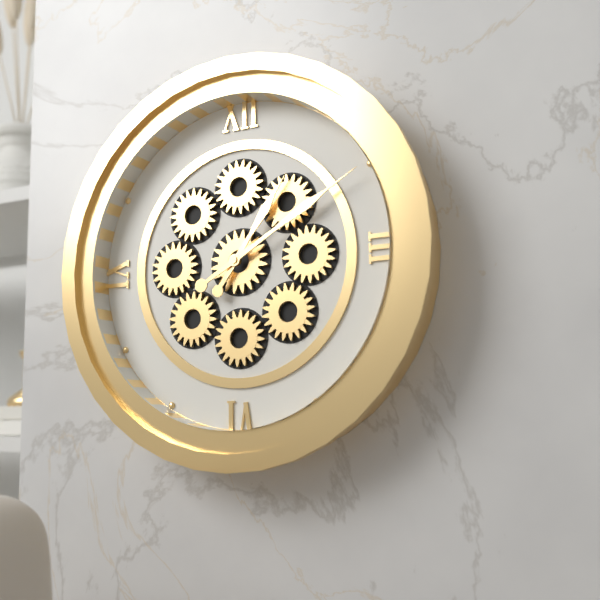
1,10
